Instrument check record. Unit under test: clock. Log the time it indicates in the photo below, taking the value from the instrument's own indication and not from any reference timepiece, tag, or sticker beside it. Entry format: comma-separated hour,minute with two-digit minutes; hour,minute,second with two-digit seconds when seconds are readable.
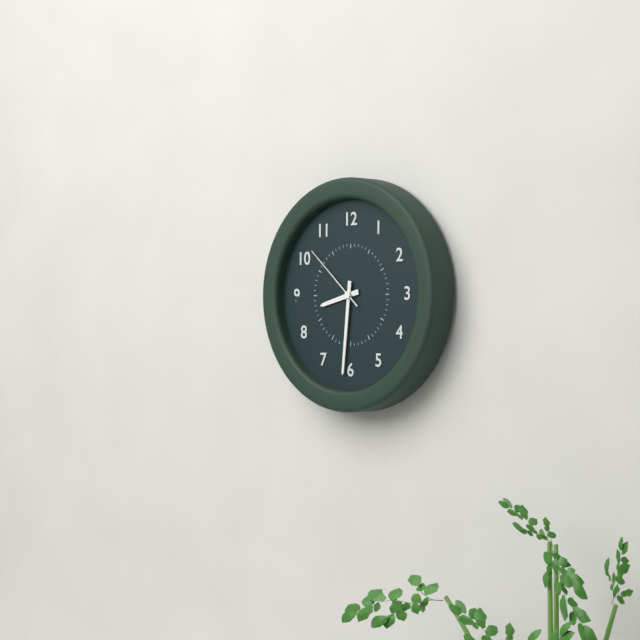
8,31,52
